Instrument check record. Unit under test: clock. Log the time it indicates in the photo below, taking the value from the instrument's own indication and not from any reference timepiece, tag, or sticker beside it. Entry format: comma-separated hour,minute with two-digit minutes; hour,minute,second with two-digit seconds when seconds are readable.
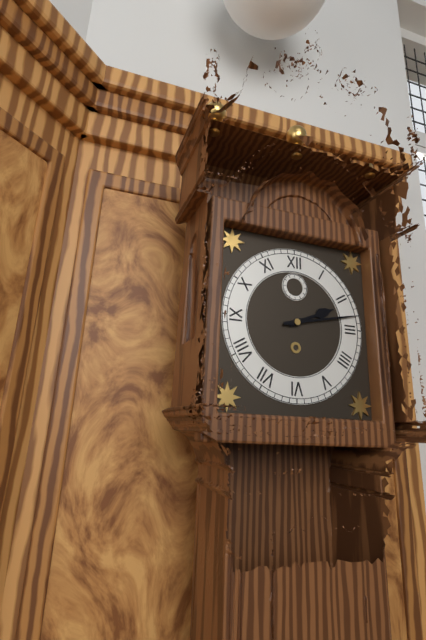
2,13
